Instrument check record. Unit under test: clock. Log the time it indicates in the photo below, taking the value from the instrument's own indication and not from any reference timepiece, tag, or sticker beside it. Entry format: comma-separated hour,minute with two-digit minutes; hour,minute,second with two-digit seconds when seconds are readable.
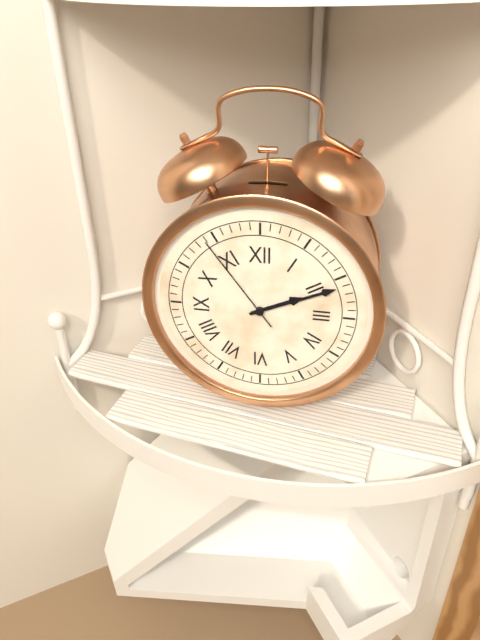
2,11,54
